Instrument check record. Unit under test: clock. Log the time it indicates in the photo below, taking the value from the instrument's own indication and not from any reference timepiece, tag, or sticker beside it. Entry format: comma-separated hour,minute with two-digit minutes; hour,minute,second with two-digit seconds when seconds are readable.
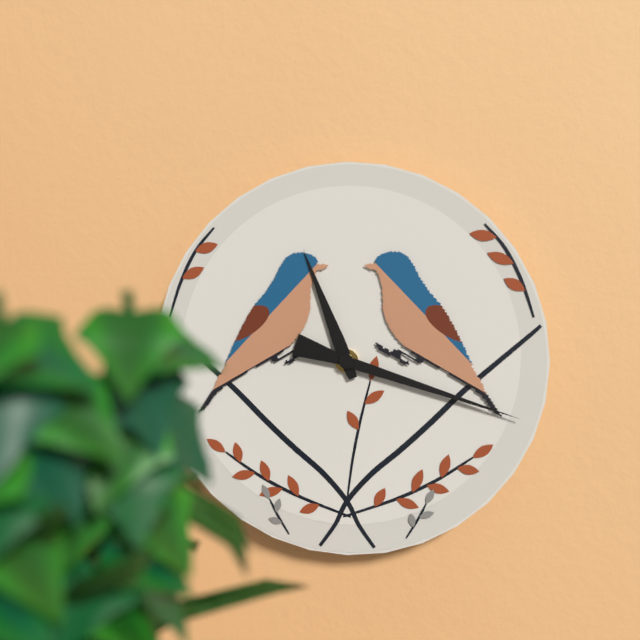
11,18
